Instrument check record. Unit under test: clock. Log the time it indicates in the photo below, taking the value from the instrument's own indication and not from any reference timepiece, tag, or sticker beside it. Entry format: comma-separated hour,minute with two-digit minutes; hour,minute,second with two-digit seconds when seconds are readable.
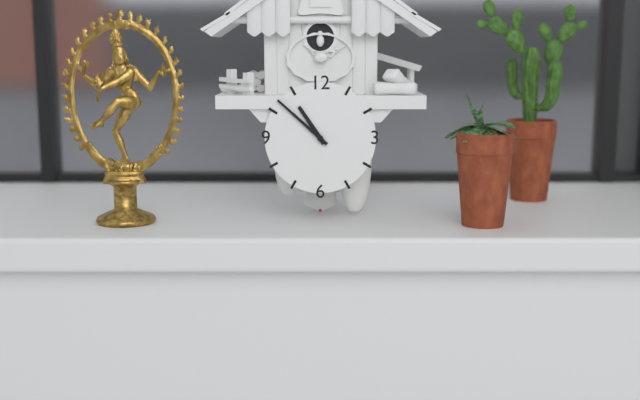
10,52
